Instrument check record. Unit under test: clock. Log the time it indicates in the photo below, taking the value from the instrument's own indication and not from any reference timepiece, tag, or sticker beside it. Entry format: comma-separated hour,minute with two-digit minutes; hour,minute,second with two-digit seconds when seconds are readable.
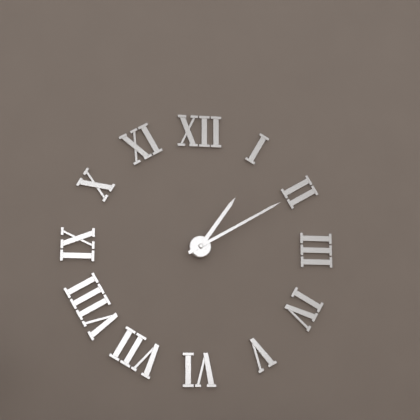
1,10
